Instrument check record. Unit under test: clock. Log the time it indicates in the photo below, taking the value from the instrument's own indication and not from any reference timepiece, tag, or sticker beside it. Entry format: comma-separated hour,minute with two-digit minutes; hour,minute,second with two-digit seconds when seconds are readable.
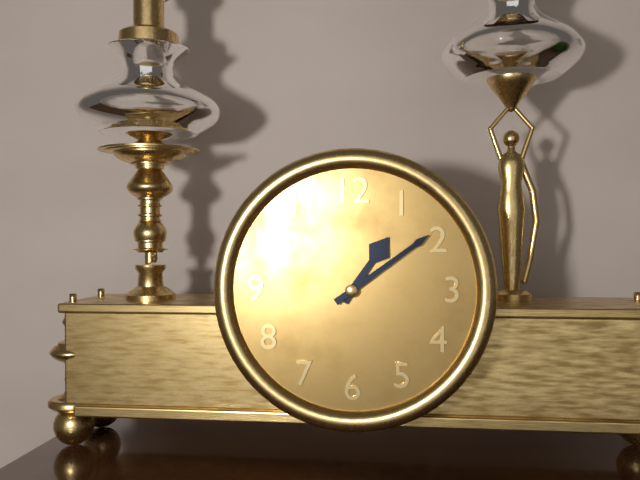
1,09
